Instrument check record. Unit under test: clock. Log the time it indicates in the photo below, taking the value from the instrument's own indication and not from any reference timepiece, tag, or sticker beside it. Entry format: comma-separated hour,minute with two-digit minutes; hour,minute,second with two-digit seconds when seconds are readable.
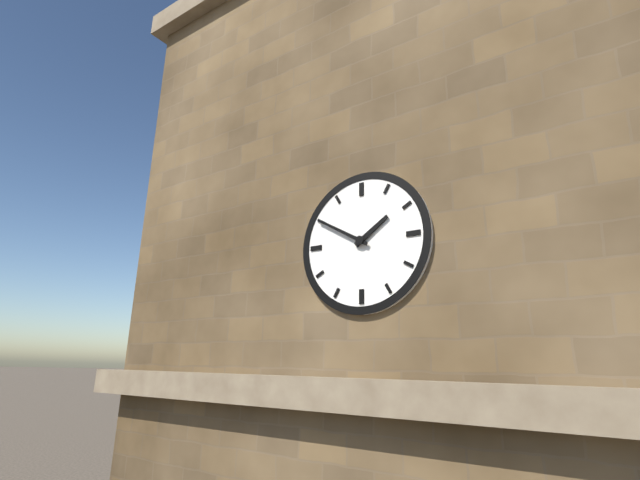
1,50
